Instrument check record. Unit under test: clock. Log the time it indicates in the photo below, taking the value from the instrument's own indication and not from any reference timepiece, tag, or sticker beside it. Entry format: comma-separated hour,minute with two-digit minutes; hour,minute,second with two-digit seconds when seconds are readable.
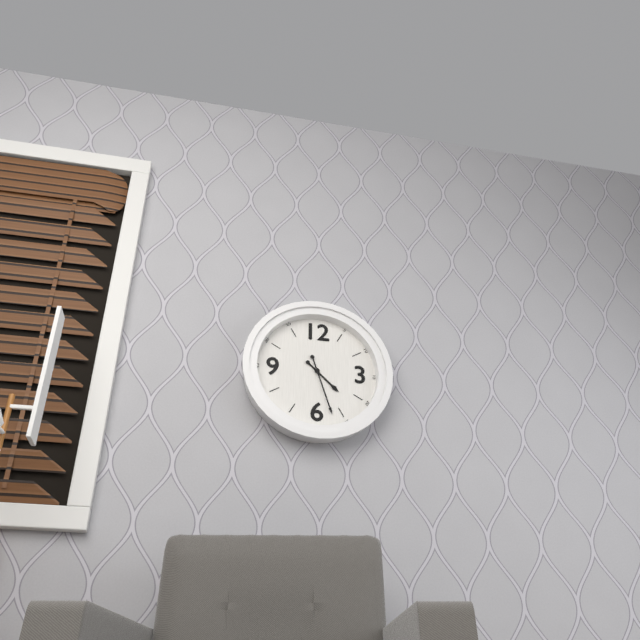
4,27
